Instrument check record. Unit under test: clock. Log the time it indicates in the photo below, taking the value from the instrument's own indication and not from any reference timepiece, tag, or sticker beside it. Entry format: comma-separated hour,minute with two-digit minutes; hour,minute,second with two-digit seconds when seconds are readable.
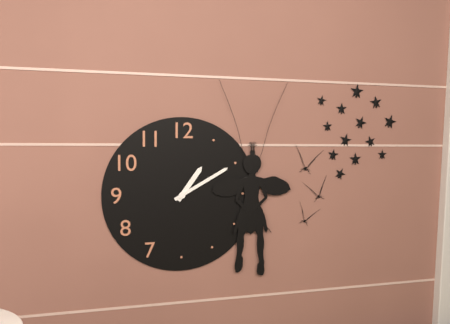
1,10
